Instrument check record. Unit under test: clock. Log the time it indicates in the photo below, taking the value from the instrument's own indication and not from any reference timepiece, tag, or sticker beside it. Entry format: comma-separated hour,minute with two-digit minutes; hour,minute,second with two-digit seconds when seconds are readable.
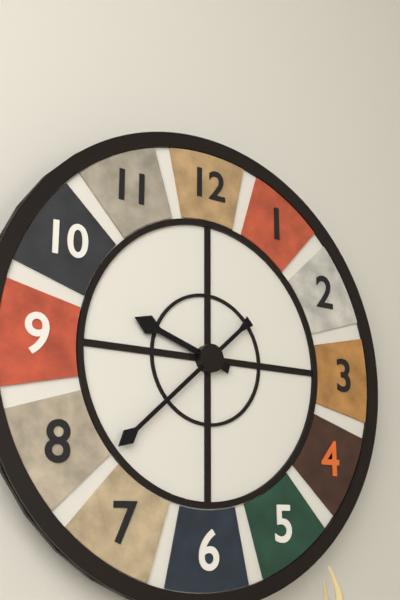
9,38
